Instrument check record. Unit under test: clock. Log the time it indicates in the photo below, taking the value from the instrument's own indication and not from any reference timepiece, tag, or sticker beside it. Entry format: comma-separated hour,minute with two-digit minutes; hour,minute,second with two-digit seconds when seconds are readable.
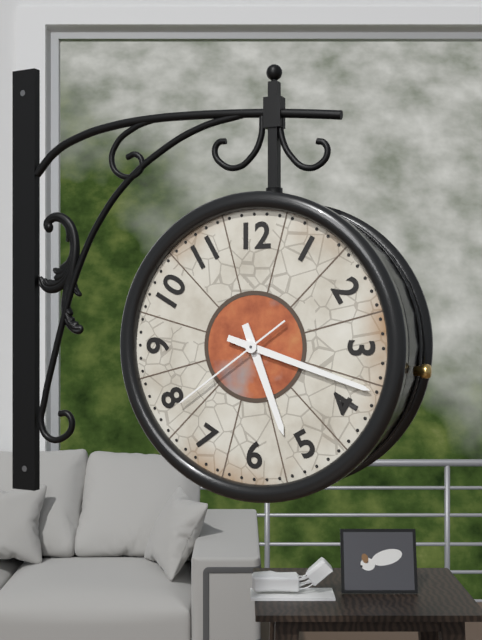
5,18,39
